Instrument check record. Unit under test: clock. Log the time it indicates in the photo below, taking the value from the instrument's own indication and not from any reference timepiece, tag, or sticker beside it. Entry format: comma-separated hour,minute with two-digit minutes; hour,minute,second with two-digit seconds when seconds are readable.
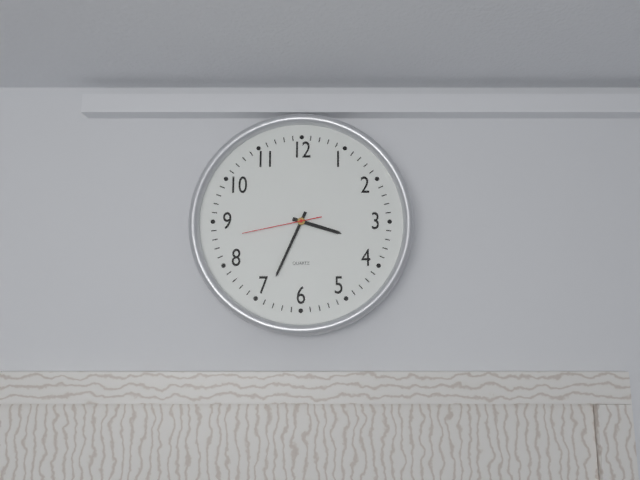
3,34,43
